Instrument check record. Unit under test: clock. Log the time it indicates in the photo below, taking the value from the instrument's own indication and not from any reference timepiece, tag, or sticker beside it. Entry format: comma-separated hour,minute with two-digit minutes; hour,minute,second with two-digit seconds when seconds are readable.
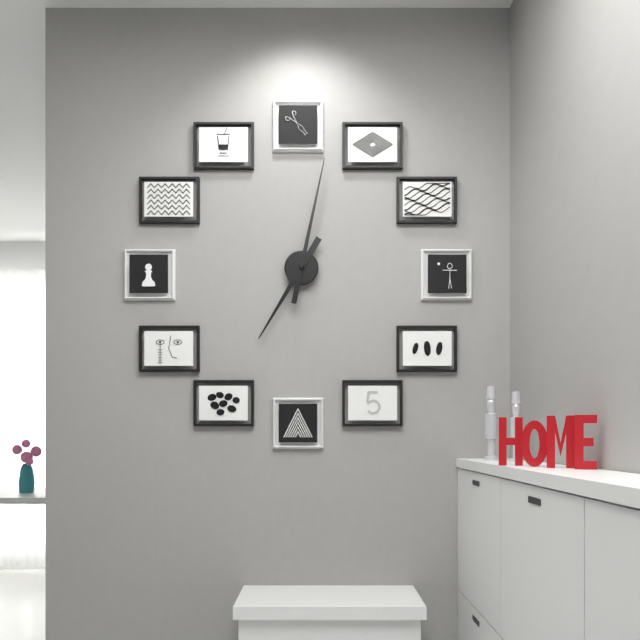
7,02
